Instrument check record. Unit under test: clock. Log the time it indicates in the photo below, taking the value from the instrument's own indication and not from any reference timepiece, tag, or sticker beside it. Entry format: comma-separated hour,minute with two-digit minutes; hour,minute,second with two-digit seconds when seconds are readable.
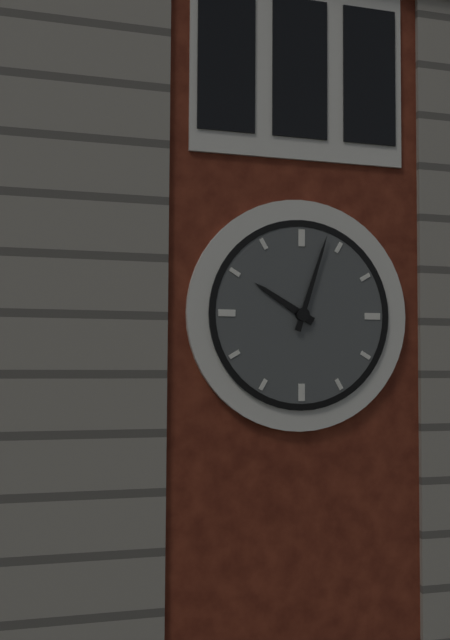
10,03
